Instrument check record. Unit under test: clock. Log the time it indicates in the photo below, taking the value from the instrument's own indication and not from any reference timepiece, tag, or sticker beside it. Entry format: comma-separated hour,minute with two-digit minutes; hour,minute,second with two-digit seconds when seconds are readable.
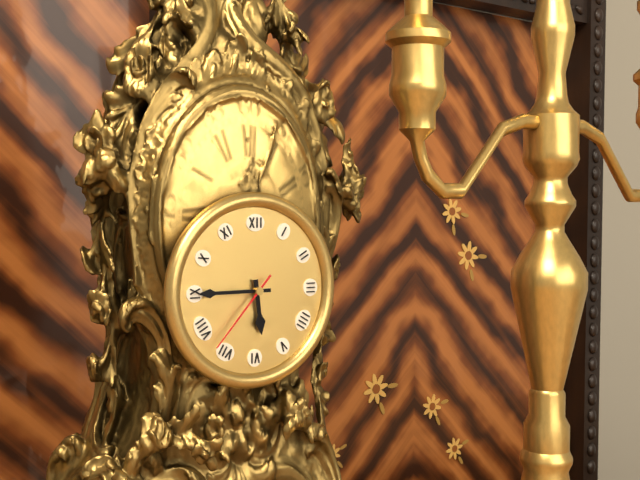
5,45,37
